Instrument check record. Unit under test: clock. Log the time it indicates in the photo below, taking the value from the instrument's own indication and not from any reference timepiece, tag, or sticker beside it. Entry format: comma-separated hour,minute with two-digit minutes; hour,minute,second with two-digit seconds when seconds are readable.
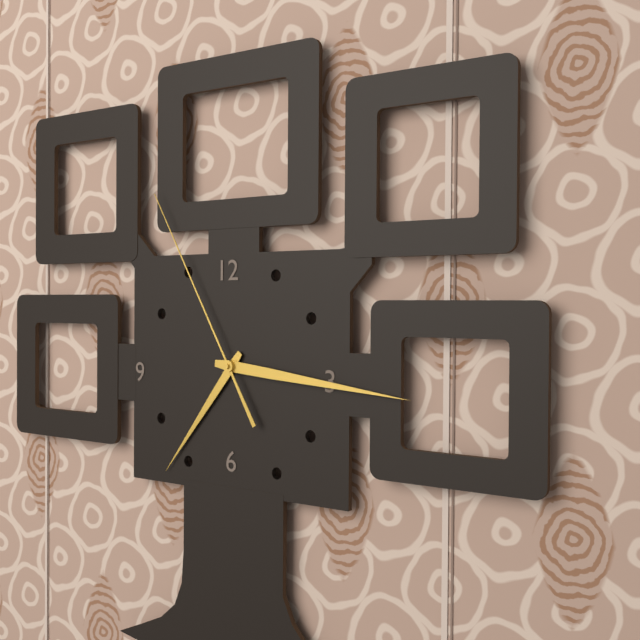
7,16,55
